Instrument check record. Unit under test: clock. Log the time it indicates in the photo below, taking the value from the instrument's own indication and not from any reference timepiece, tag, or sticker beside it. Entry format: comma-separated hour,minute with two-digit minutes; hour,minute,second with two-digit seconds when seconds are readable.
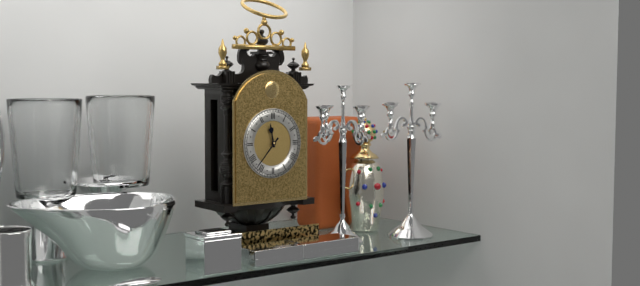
11,37
